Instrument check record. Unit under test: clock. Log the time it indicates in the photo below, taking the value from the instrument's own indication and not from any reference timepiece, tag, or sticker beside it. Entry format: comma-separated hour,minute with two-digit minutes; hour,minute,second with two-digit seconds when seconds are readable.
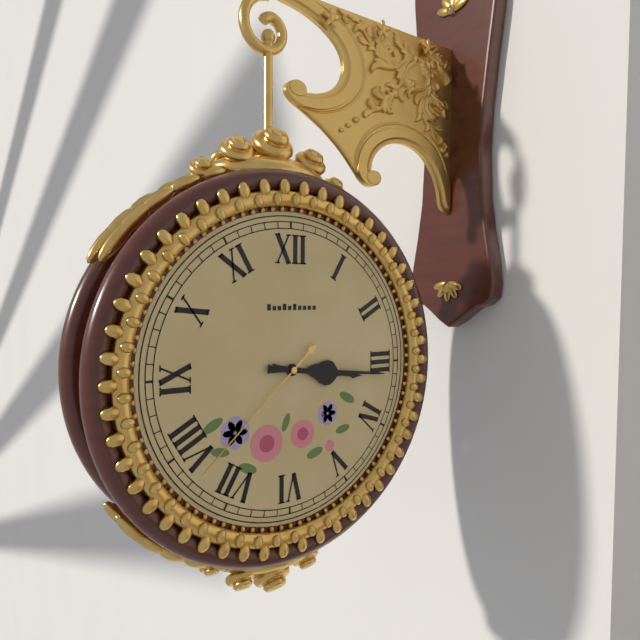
3,16,38
